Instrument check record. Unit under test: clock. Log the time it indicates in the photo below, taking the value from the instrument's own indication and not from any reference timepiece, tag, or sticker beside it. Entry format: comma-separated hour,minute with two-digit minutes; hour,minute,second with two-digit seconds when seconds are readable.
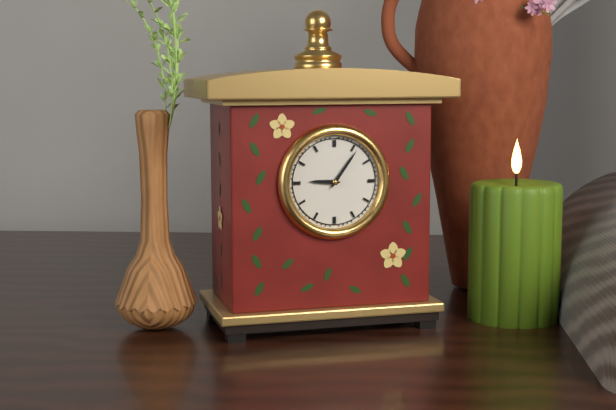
9,06
